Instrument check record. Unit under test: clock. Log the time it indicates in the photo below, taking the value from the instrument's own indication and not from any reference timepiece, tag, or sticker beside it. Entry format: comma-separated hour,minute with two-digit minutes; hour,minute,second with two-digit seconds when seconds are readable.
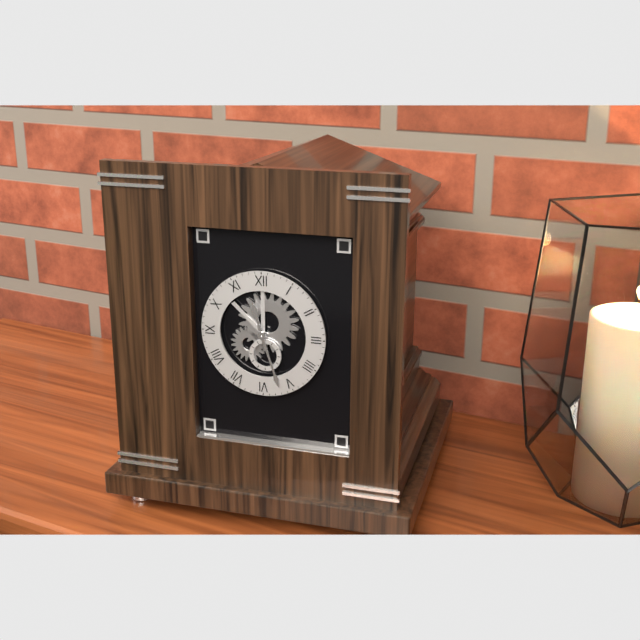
11,27
